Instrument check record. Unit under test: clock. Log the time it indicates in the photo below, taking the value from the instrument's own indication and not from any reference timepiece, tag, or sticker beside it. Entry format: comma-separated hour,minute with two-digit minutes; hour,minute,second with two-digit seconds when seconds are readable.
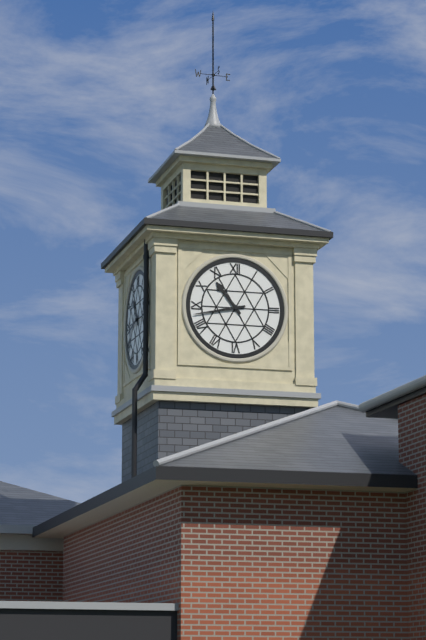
10,43
